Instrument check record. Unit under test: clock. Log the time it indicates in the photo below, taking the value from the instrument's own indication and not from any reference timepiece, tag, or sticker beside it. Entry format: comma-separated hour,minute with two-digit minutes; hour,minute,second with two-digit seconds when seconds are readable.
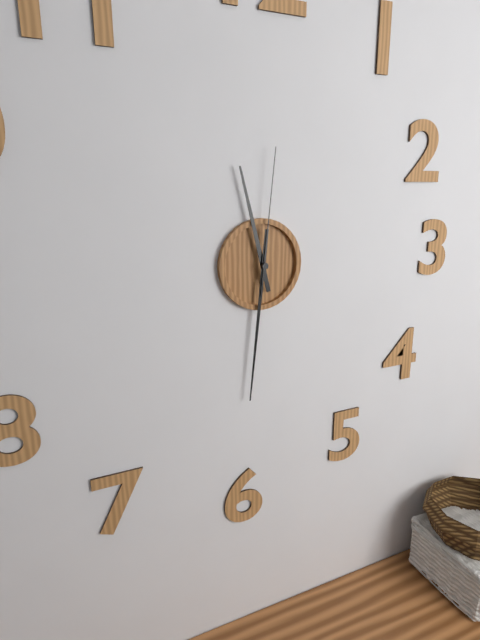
11,31,01
